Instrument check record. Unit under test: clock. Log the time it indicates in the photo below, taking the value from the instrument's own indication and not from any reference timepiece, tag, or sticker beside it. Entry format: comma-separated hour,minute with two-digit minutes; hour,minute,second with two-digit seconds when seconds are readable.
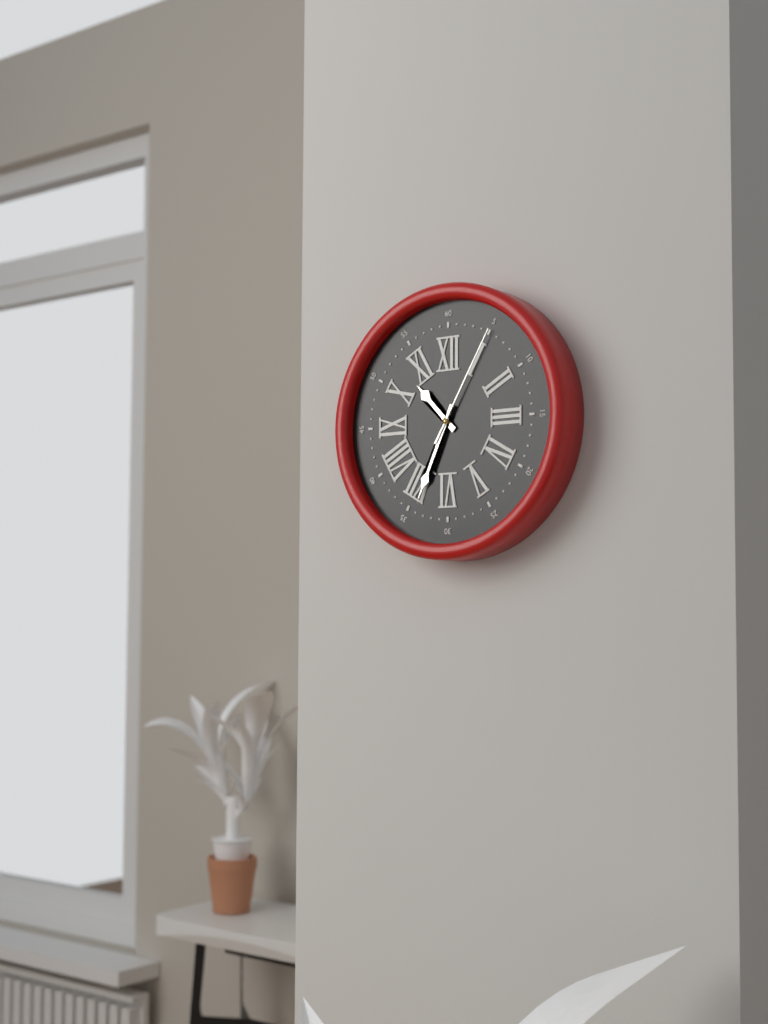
10,34,05
